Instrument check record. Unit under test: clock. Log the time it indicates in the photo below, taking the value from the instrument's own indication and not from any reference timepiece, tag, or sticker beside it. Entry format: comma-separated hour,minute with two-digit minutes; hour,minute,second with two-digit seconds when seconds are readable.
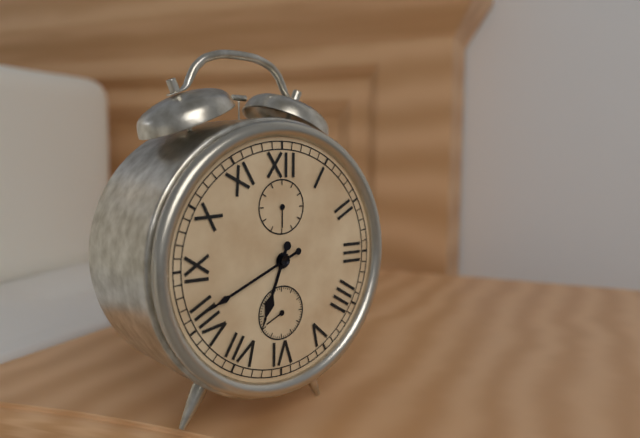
6,41
